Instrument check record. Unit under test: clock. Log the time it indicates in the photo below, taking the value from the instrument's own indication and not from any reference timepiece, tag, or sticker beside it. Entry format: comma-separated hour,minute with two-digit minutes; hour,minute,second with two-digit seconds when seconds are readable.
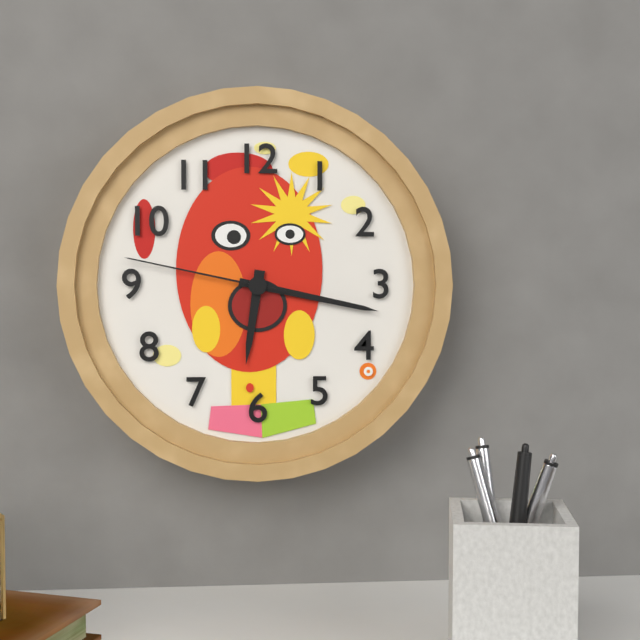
6,17,47
